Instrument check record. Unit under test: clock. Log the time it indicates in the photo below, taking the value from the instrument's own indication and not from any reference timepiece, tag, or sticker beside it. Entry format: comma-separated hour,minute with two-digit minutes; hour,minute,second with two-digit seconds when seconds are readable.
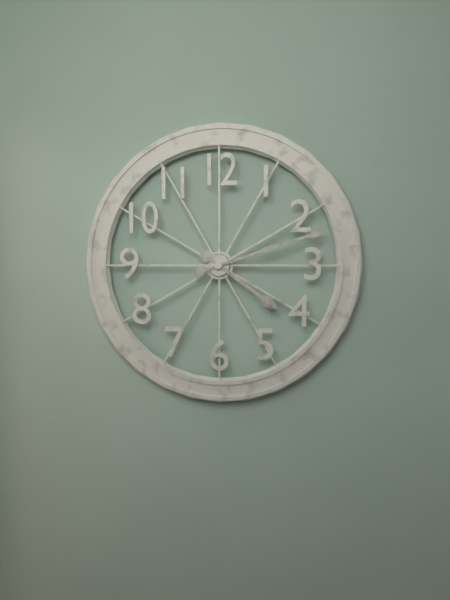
4,12
